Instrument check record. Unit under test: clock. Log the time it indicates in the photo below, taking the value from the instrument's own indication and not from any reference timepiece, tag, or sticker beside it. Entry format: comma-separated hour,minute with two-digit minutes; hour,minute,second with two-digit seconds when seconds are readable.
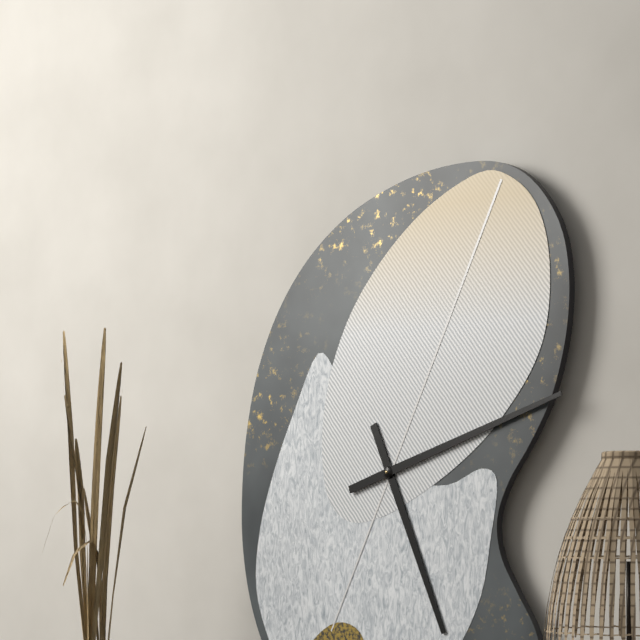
5,12
